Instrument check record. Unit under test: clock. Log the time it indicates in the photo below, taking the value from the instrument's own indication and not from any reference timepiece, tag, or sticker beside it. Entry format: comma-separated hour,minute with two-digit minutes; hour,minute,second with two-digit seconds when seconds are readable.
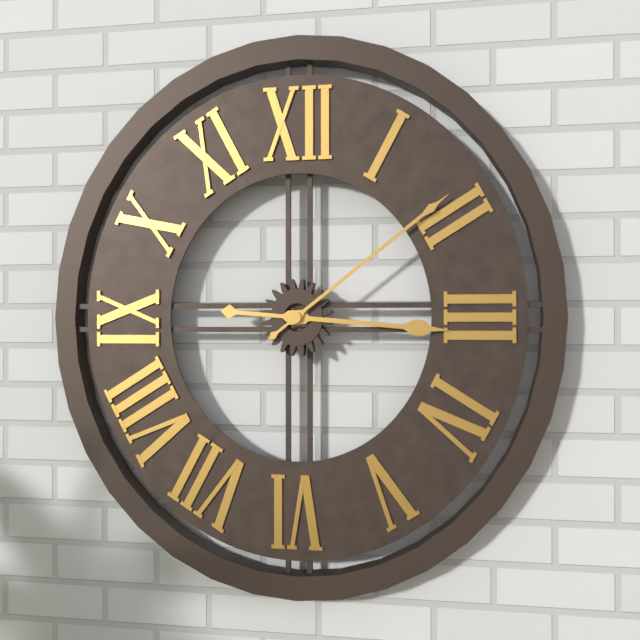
3,09
